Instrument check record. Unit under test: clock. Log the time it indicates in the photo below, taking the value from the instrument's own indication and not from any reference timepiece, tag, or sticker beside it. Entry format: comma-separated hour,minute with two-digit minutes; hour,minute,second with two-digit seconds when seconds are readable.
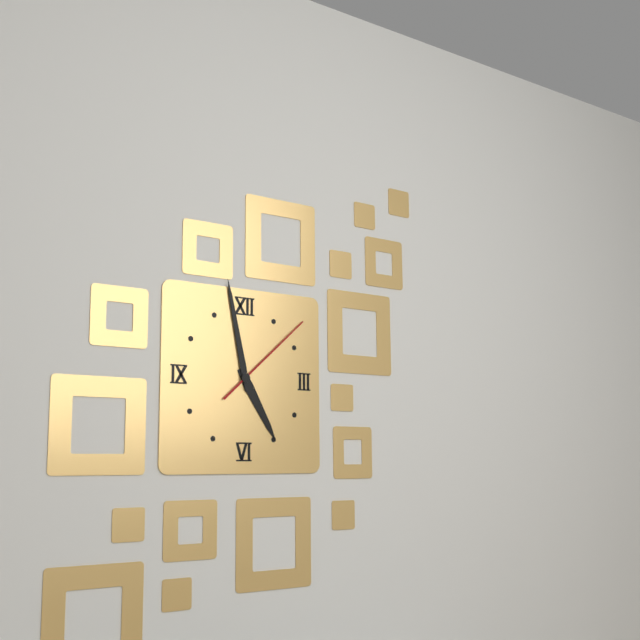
4,58,08
